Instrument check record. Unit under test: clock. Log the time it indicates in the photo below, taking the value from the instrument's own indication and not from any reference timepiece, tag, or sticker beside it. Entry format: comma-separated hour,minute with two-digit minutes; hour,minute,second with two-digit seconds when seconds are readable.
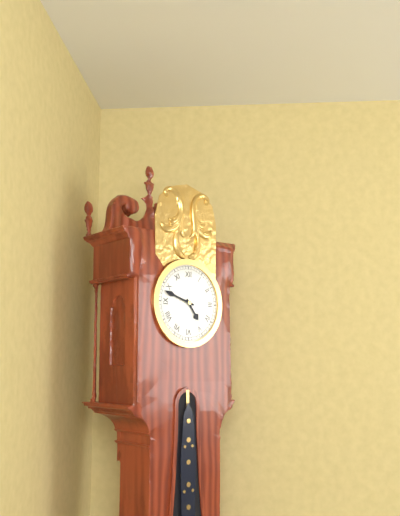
4,48
